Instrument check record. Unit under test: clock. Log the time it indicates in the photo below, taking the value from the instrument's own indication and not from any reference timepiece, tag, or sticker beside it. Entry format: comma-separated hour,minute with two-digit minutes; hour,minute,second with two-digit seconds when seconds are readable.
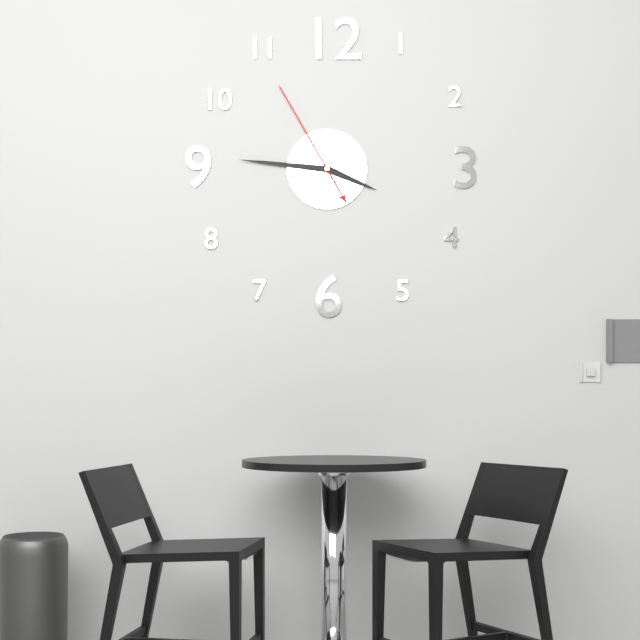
3,46,55
